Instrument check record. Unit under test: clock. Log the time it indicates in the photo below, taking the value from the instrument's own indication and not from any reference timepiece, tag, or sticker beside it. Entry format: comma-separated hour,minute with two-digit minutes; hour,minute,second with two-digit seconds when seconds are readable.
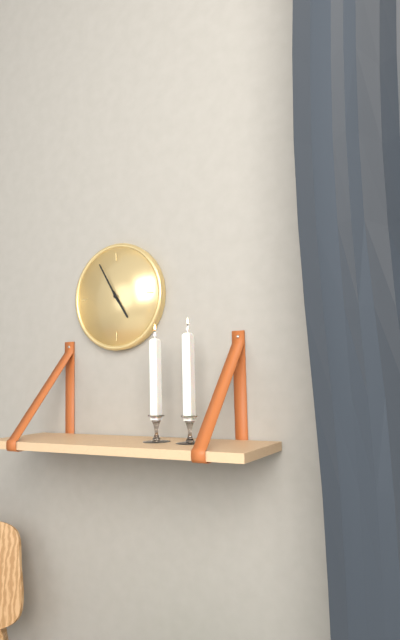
4,55
